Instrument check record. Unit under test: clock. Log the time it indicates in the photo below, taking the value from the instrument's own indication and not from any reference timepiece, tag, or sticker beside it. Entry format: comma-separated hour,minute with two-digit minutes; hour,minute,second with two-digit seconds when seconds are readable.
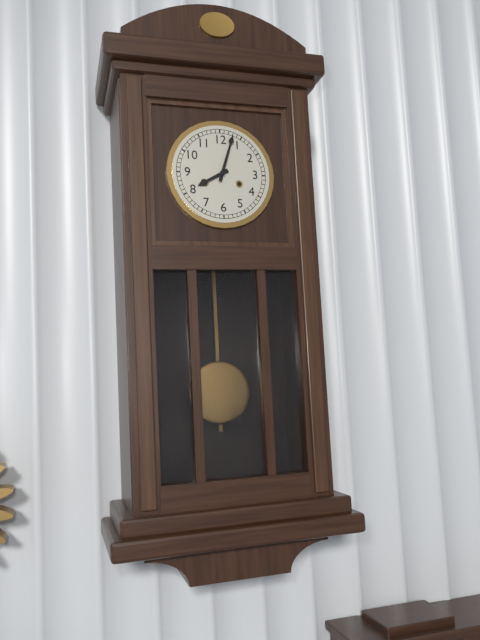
8,03
